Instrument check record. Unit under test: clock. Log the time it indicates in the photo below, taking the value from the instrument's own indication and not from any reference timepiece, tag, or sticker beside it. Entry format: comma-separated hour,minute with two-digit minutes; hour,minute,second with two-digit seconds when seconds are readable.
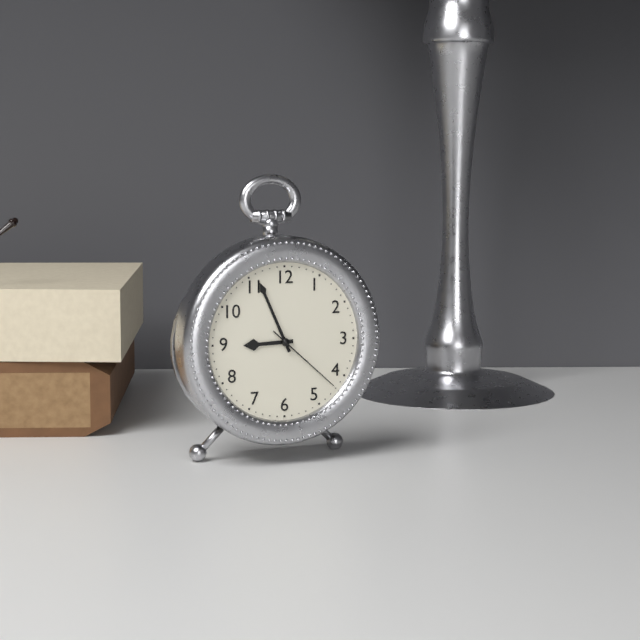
8,56,22
